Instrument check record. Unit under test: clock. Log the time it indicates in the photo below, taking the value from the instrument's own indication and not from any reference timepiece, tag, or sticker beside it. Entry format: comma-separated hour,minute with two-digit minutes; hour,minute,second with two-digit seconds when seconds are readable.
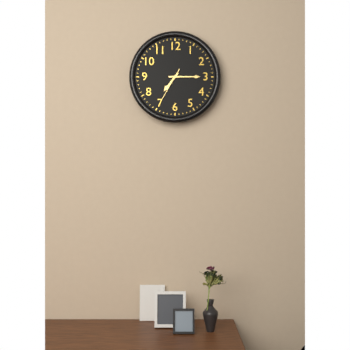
7,15
